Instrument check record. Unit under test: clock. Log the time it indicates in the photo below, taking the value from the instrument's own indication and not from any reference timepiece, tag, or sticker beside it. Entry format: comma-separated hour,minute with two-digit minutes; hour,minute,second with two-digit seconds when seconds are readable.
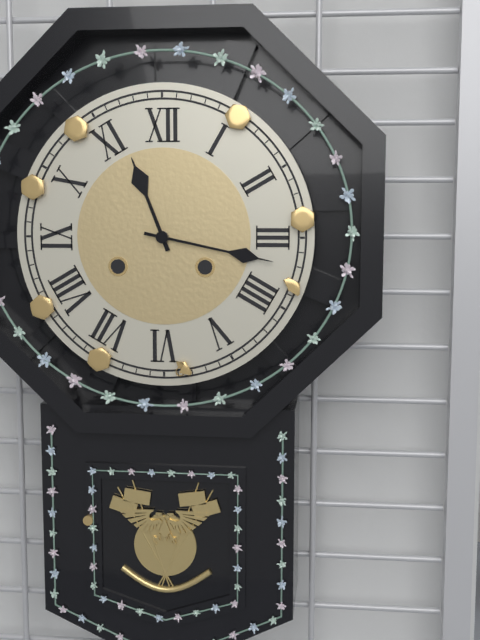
11,17
